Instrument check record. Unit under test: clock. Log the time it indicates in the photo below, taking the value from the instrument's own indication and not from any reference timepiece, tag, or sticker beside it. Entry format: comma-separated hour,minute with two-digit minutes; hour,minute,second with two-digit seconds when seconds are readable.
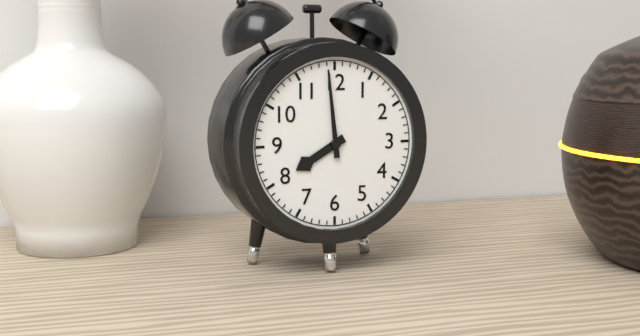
7,59
